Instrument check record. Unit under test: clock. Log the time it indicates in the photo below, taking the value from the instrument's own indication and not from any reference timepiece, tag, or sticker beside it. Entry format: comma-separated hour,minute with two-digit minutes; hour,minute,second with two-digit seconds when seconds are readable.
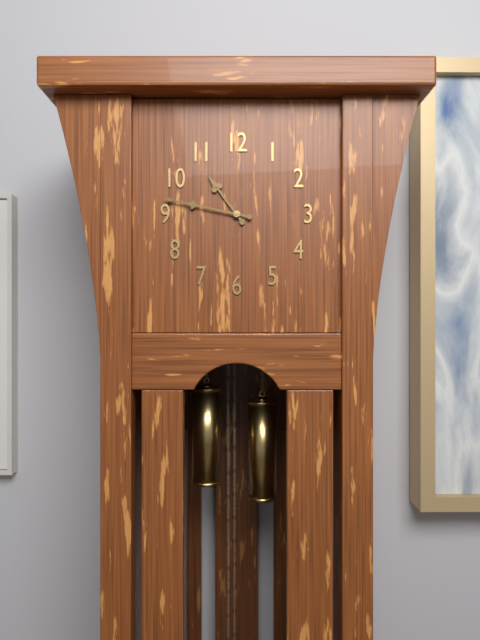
10,47
